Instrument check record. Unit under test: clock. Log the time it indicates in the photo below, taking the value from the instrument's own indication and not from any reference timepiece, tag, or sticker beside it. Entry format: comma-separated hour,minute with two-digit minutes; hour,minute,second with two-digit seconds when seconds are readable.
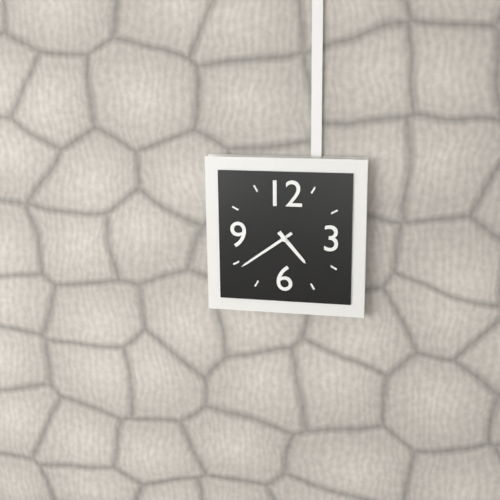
4,39
